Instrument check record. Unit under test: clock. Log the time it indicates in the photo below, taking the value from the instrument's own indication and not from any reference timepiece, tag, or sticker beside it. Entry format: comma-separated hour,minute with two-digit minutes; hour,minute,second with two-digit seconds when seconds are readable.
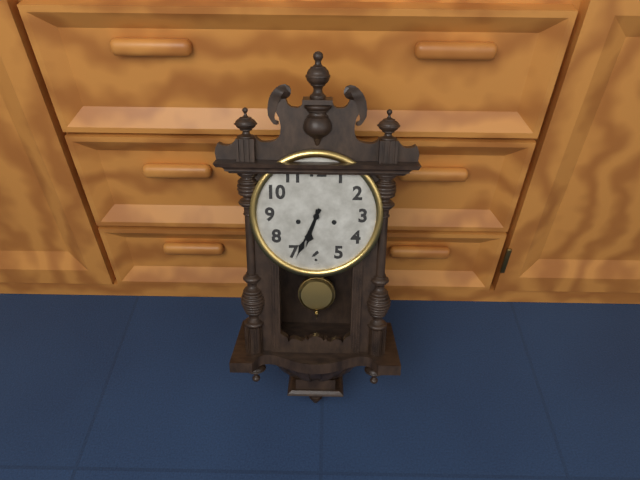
6,34
